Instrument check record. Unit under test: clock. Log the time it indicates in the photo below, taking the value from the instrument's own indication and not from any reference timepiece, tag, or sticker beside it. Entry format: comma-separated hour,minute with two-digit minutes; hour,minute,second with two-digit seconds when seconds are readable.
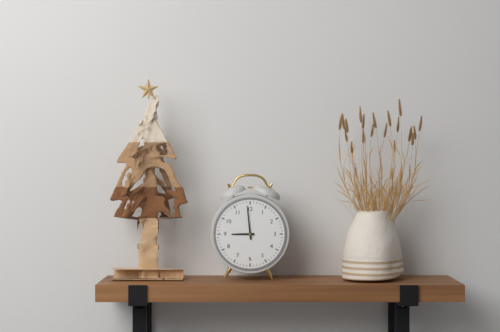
8,59
